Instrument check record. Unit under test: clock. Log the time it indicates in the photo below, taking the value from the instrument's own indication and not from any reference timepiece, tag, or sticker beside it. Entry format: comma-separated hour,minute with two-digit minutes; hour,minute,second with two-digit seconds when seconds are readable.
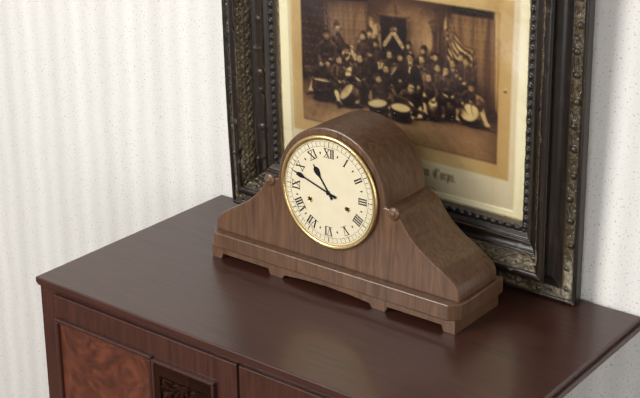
10,48
